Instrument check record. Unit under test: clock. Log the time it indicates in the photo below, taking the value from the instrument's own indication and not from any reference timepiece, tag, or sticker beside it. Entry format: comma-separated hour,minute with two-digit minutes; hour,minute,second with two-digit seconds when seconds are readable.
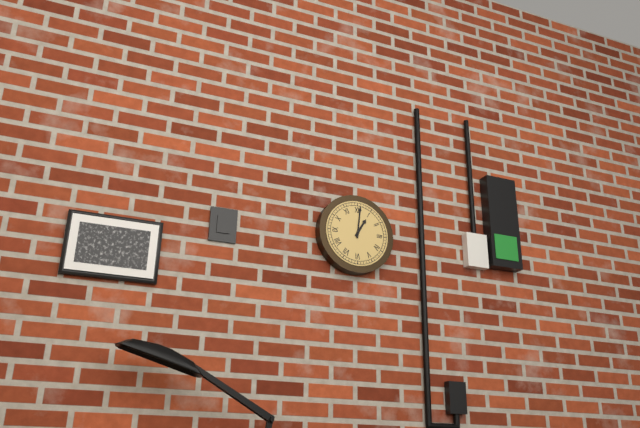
1,01
